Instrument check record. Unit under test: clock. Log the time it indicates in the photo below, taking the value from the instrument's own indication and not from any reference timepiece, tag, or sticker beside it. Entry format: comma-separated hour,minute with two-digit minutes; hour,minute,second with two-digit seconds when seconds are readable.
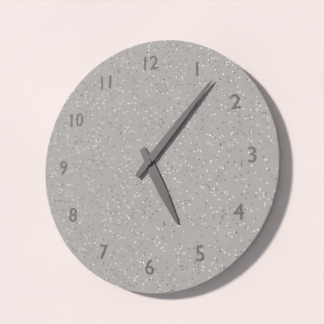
5,07
